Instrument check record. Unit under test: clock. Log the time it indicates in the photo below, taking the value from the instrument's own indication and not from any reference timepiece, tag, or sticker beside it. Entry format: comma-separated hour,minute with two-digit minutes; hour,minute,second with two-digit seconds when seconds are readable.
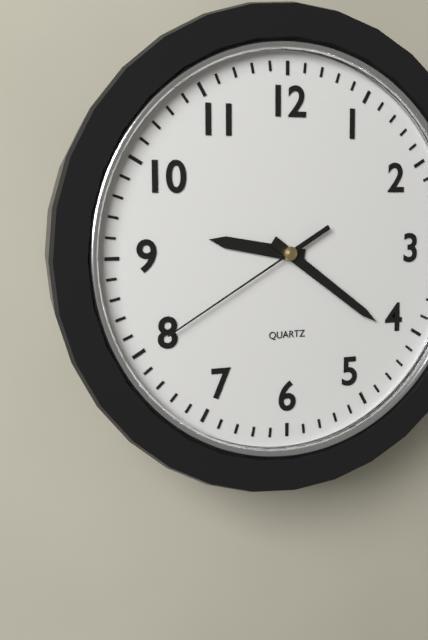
9,21,40
